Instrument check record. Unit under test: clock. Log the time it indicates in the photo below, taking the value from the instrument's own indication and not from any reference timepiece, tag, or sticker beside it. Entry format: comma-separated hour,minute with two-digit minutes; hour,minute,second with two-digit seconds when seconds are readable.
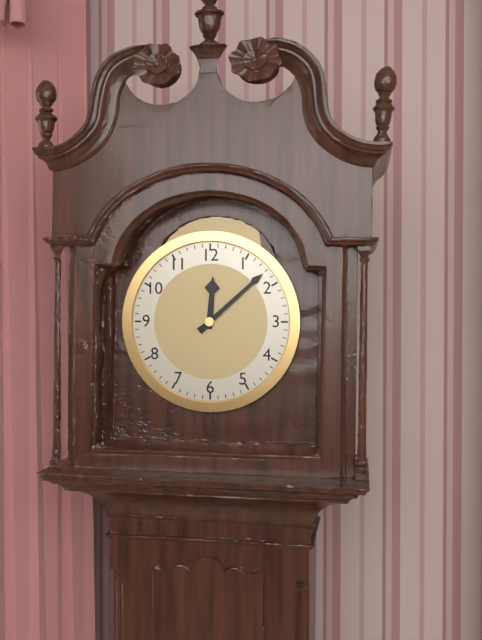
12,08
